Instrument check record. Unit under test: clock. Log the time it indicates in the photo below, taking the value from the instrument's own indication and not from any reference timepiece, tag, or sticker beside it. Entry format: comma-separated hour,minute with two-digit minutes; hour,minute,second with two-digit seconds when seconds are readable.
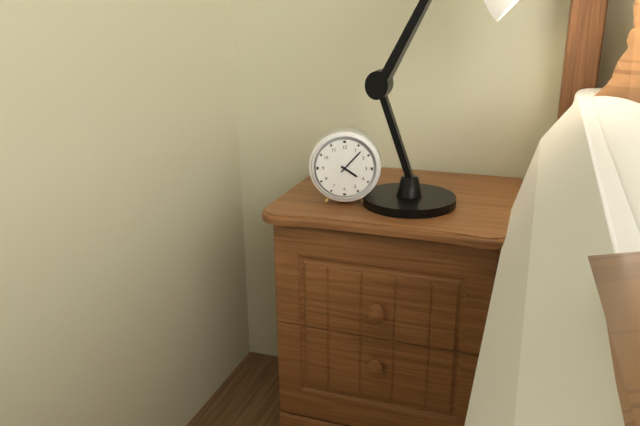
4,07
